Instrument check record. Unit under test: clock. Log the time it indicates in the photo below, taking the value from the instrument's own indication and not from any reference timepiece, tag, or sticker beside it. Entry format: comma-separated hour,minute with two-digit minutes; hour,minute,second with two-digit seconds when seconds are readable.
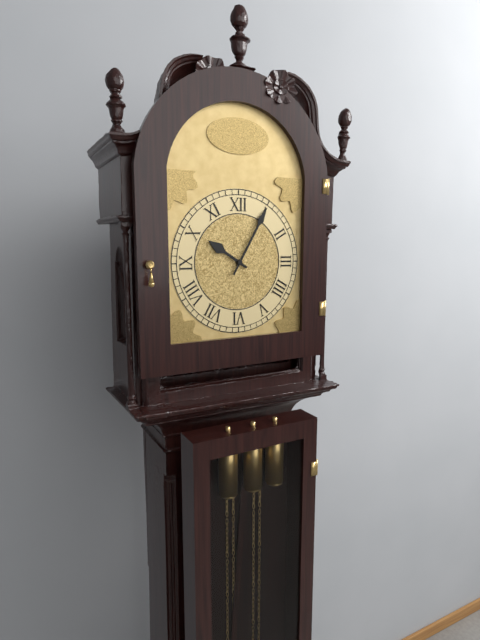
10,05
